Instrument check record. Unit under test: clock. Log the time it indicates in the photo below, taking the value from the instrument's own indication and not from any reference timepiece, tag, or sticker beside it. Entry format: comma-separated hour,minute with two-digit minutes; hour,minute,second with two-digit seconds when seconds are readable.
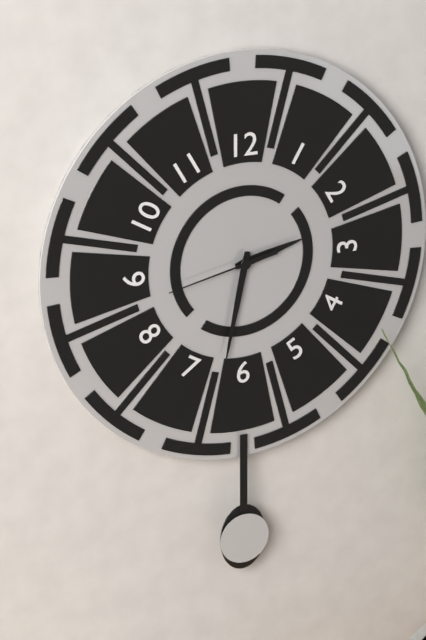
2,32,43
